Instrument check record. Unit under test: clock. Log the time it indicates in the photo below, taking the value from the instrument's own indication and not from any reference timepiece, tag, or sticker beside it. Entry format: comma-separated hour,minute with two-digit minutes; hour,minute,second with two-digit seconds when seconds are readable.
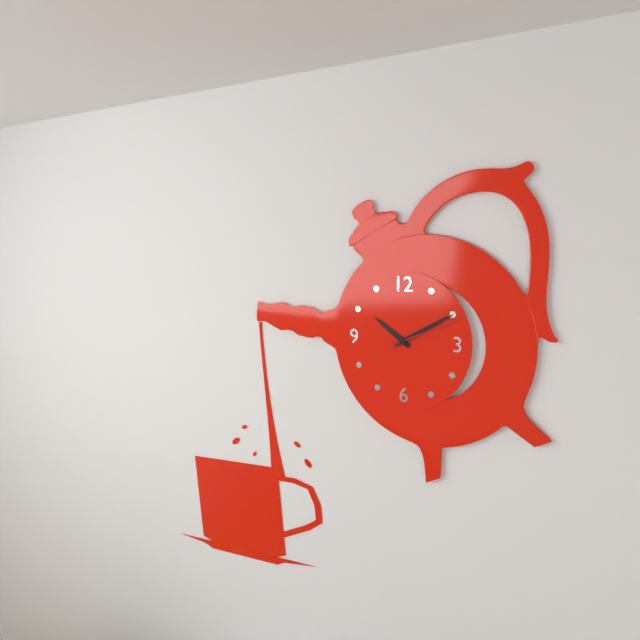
10,10,11
